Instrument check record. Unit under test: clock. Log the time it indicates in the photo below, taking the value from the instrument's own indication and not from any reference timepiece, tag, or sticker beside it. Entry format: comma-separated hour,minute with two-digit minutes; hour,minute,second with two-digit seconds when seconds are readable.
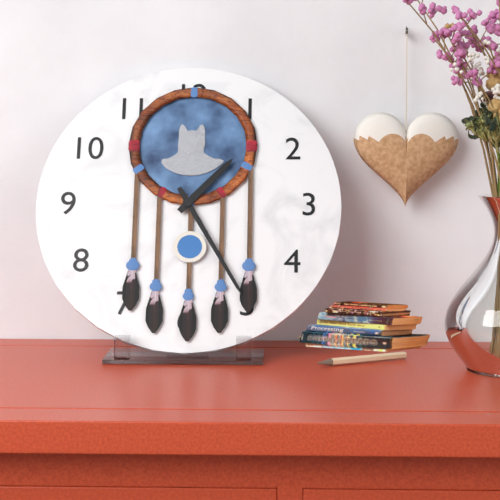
1,25
